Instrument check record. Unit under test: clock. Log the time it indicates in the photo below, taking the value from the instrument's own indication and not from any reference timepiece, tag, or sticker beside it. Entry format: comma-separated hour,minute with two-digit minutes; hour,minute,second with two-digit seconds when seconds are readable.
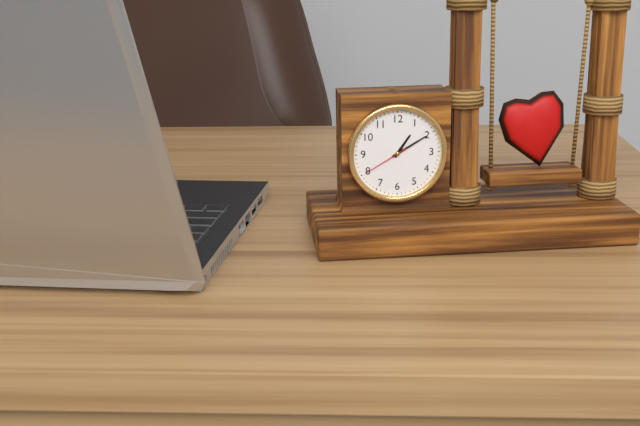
1,10
